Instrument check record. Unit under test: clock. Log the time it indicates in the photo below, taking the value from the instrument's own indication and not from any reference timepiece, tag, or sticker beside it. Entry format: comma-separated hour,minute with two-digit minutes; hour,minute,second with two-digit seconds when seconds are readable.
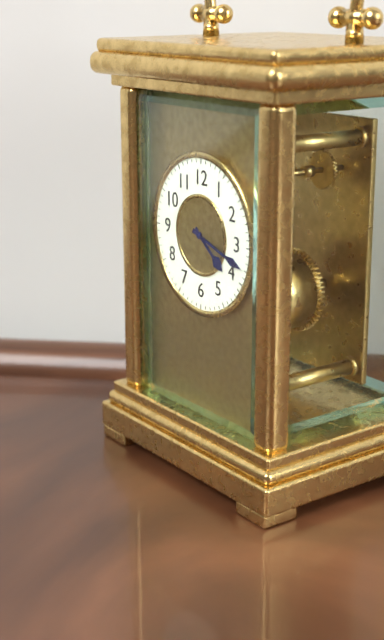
4,18
